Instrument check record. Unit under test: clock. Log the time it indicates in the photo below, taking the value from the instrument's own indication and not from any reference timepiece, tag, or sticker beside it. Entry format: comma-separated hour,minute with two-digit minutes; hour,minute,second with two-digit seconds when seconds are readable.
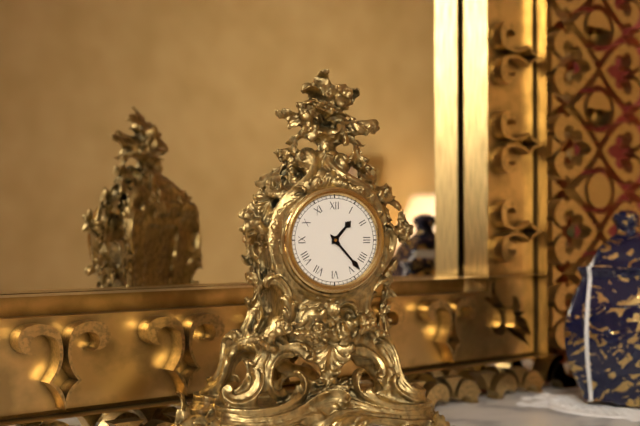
1,23
